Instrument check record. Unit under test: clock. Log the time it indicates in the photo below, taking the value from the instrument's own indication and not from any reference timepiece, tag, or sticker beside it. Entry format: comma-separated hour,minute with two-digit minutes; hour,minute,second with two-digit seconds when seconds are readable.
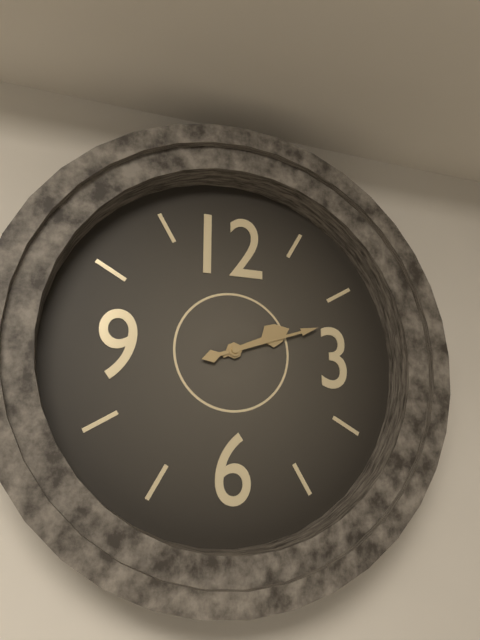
2,12
